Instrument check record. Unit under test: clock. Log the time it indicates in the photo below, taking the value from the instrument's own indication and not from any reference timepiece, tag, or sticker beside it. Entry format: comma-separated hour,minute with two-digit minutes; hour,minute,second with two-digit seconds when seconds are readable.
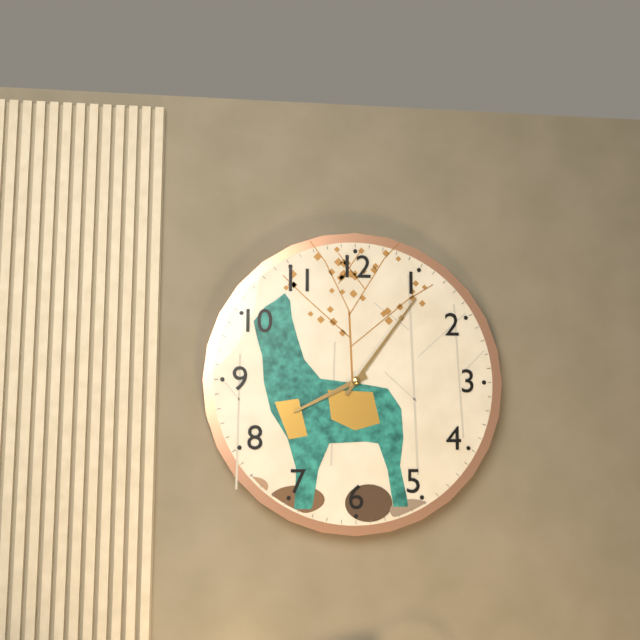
8,06
